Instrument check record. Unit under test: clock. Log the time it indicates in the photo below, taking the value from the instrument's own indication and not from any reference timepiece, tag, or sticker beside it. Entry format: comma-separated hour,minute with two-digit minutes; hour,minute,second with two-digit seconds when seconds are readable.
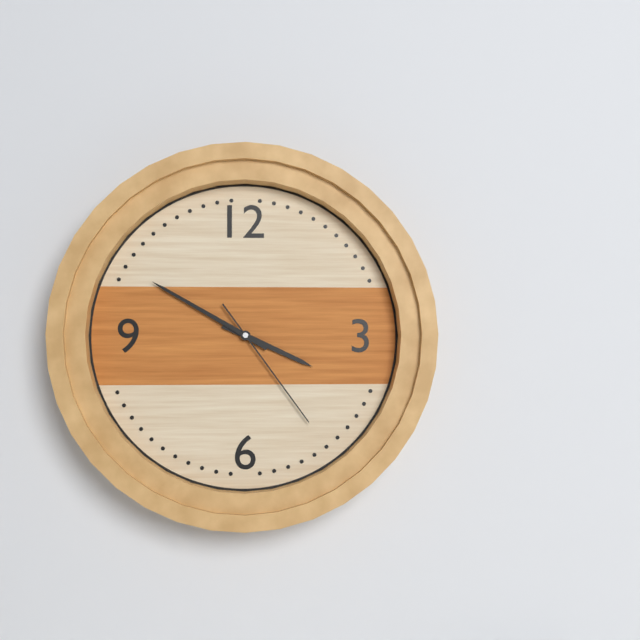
3,50,24
